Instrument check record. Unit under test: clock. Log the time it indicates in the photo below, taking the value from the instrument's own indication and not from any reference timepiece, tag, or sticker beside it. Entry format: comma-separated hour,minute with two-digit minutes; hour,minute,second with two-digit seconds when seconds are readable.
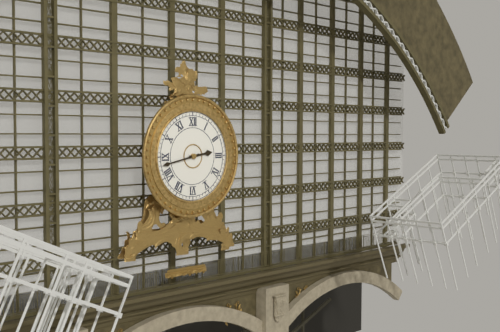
2,43
